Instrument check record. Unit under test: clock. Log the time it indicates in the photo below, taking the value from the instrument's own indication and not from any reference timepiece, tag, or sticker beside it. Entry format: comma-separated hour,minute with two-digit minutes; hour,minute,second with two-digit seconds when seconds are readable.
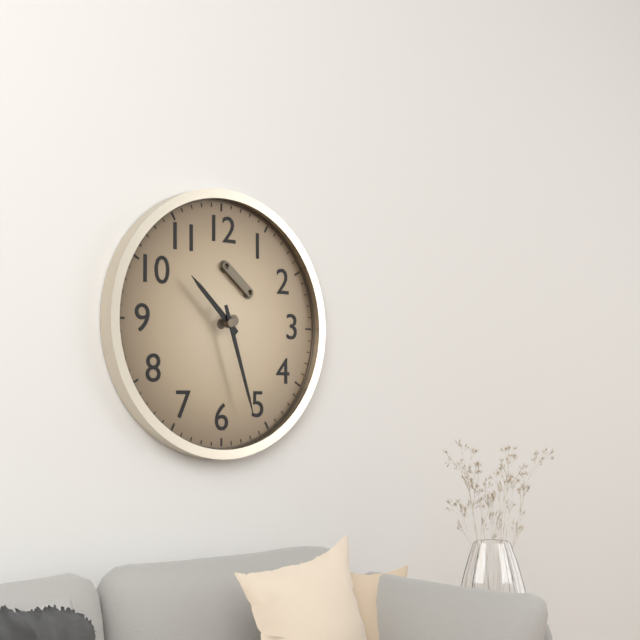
10,27
